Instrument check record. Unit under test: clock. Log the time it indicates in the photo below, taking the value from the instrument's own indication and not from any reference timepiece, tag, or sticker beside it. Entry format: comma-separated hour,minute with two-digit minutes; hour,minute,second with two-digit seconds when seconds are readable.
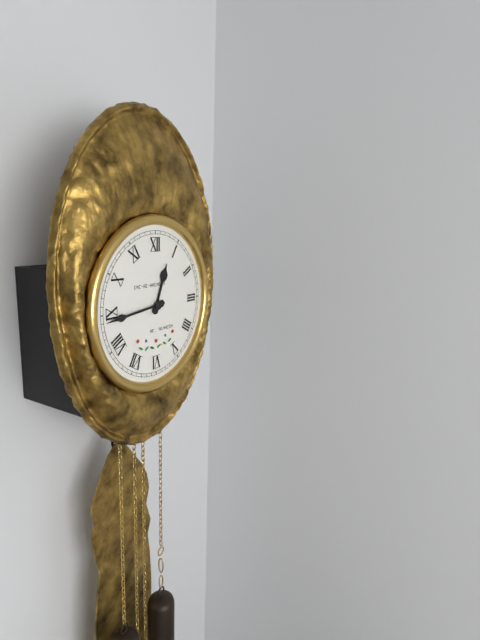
12,44
